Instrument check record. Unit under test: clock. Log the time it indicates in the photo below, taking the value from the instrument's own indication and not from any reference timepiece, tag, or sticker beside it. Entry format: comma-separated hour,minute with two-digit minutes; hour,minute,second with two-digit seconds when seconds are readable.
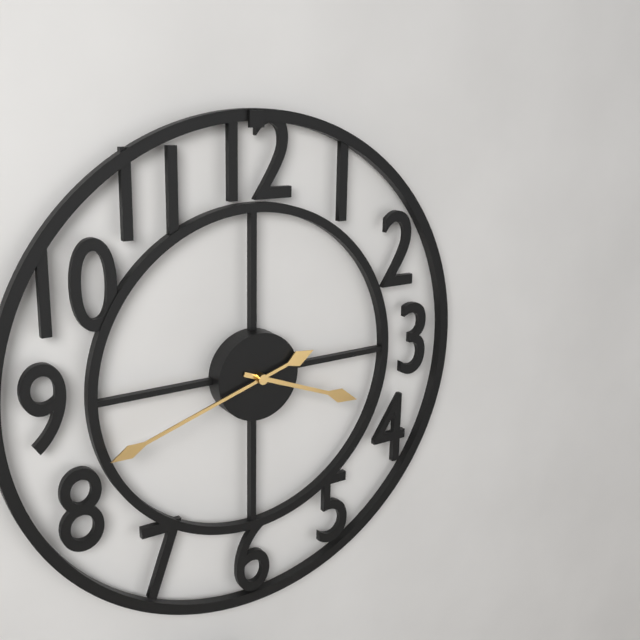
3,42
